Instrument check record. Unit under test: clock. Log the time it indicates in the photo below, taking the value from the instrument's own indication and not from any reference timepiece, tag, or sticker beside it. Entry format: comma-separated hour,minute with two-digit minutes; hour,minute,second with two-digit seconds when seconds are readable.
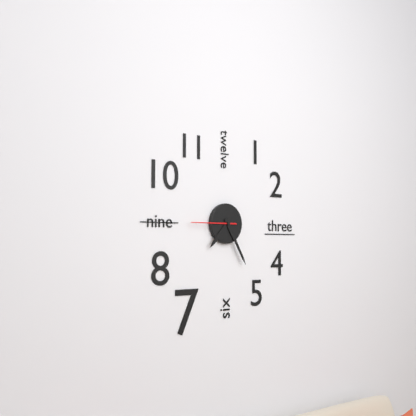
7,25
